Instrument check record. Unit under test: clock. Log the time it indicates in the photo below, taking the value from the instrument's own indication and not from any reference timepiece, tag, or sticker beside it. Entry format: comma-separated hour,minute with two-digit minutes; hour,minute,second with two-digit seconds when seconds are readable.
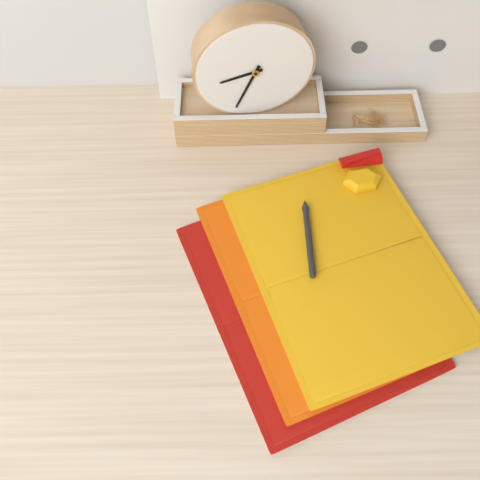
8,34
